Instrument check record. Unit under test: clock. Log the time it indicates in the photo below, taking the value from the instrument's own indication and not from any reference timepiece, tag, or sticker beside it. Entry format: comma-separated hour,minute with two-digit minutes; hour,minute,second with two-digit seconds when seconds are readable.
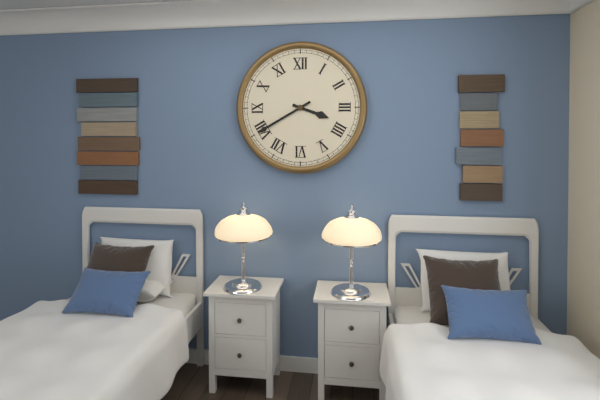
3,40
